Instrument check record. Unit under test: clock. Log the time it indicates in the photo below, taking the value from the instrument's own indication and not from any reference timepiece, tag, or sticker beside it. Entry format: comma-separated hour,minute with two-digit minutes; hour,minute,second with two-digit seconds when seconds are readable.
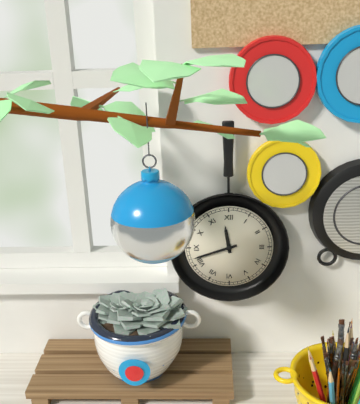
11,42
